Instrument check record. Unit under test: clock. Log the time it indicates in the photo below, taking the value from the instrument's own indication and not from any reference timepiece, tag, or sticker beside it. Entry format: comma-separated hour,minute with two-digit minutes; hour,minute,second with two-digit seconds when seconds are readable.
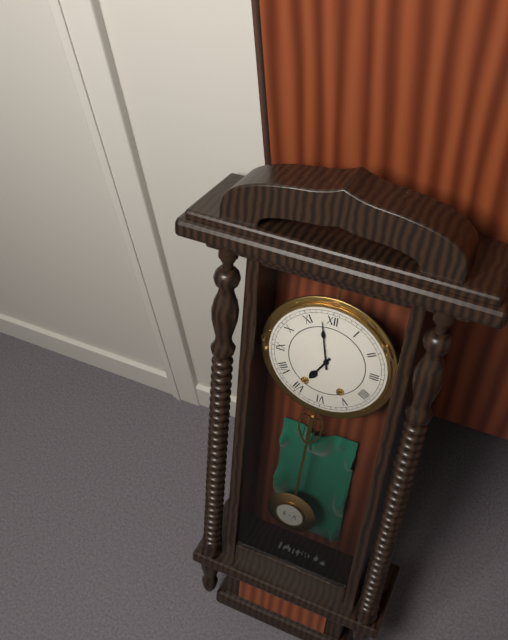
6,58
